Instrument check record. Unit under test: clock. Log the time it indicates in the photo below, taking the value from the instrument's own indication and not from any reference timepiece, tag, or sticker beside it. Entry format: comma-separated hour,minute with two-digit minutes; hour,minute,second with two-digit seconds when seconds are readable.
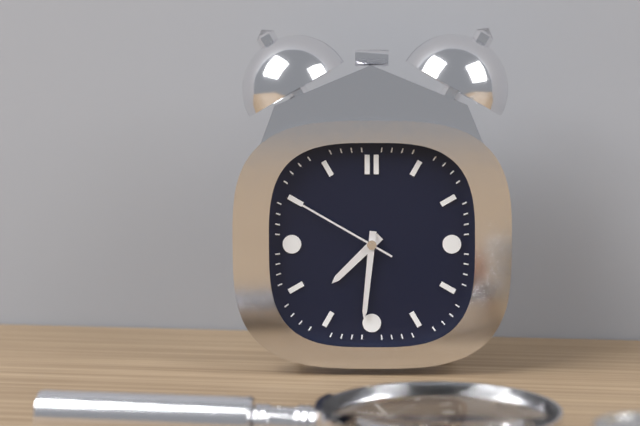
7,31,50
